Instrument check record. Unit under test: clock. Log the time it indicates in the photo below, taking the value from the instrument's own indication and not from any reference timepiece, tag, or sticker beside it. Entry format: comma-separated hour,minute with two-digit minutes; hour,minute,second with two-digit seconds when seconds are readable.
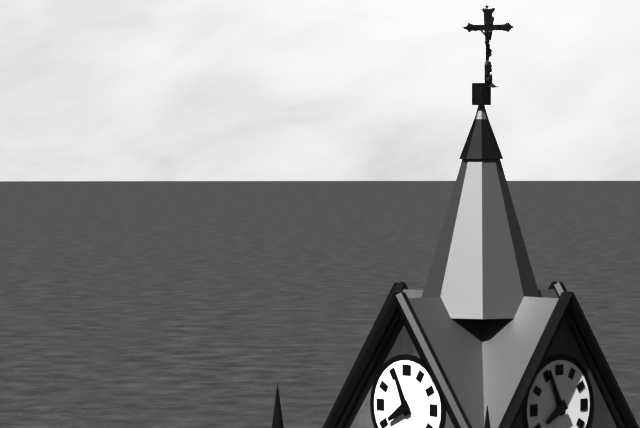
7,56
